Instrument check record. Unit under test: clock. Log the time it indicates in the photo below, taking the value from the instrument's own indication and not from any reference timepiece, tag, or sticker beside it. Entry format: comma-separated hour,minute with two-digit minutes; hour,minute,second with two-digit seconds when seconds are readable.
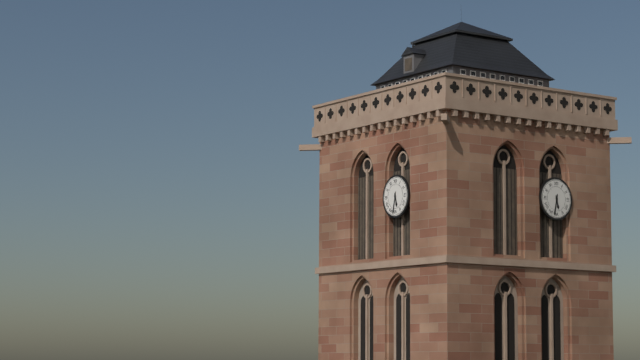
5,32
